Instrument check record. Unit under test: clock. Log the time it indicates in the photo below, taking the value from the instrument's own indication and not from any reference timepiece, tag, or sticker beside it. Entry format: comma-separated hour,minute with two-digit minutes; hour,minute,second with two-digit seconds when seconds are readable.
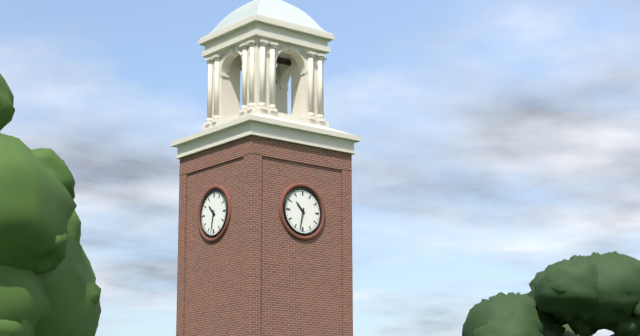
10,32
